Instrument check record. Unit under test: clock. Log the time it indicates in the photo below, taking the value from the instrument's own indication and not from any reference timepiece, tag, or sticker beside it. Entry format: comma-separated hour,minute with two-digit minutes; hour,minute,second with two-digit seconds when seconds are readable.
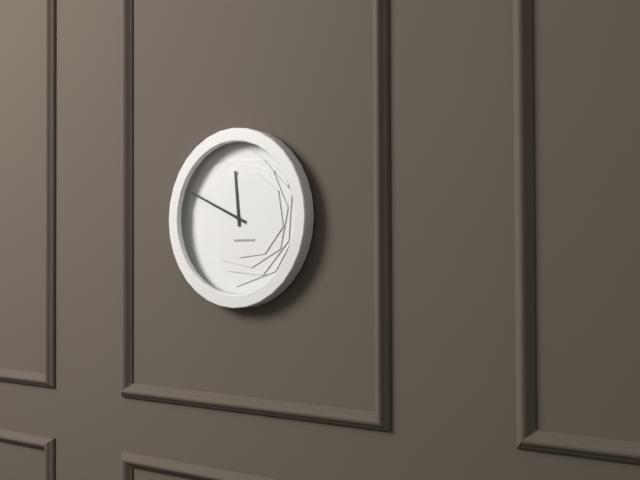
11,49
